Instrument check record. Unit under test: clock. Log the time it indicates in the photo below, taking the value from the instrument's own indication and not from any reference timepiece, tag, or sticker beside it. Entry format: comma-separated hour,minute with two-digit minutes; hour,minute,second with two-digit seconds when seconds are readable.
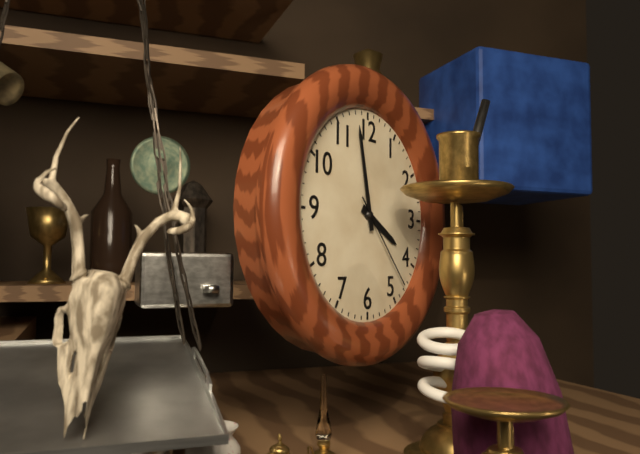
3,58,23
